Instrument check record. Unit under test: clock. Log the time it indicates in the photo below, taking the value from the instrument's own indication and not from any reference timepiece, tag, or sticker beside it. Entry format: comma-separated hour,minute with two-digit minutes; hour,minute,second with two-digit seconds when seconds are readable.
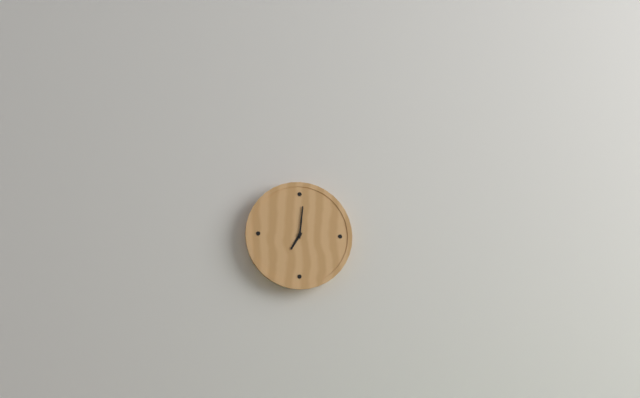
7,01
